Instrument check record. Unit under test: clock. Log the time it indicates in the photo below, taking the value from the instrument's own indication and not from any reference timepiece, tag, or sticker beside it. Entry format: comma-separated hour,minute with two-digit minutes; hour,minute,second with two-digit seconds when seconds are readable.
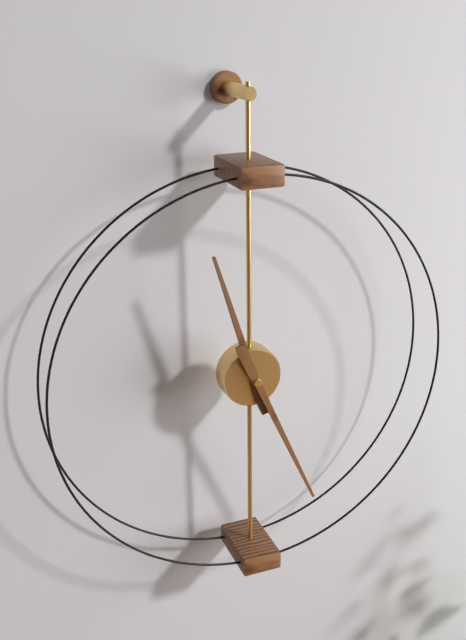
11,26
